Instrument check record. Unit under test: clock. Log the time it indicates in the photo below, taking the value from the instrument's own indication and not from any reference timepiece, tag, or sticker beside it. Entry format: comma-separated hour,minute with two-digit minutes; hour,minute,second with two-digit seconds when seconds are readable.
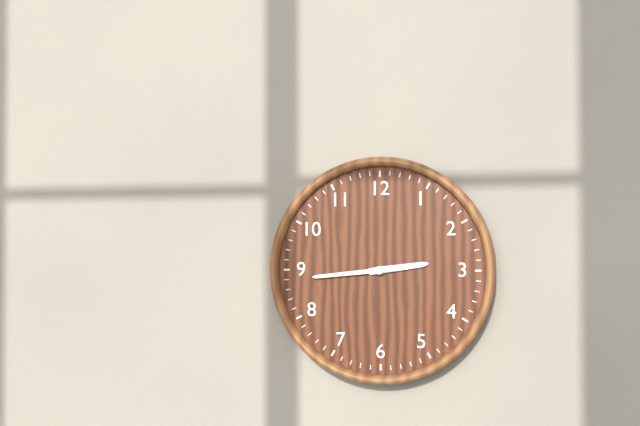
2,44
